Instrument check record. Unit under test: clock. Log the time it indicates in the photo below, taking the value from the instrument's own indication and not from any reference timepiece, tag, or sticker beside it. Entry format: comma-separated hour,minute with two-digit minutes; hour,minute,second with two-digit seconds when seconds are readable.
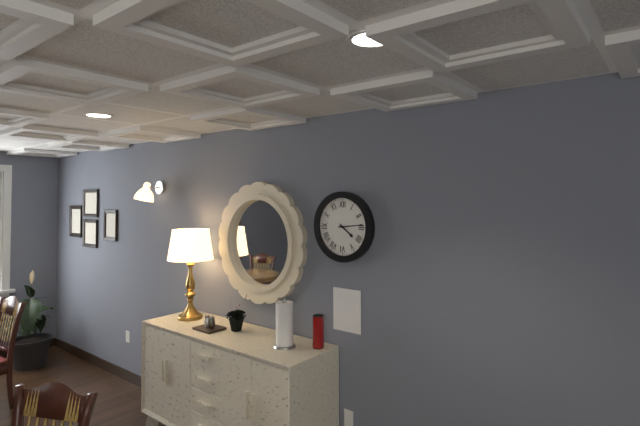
4,14
